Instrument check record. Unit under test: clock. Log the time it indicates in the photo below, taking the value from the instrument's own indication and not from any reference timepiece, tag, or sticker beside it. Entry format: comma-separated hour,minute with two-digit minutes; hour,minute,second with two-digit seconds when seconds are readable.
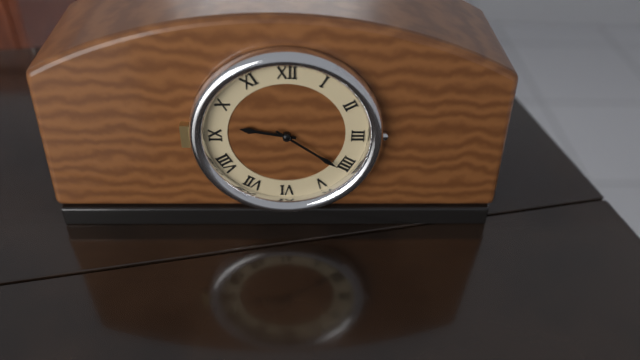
9,21
